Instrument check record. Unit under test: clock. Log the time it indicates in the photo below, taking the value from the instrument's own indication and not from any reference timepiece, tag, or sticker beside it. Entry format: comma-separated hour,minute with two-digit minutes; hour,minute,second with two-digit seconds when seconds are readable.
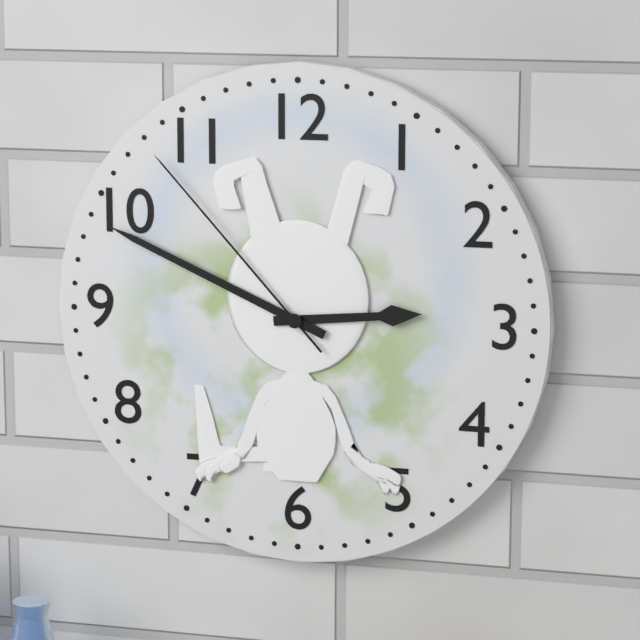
2,49,53
